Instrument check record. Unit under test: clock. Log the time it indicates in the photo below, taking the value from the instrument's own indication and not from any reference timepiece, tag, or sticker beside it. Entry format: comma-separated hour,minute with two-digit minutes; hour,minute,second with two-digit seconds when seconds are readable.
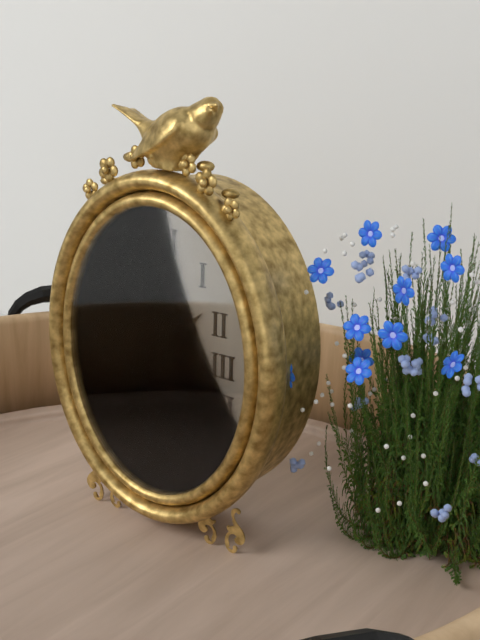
1,32,44
